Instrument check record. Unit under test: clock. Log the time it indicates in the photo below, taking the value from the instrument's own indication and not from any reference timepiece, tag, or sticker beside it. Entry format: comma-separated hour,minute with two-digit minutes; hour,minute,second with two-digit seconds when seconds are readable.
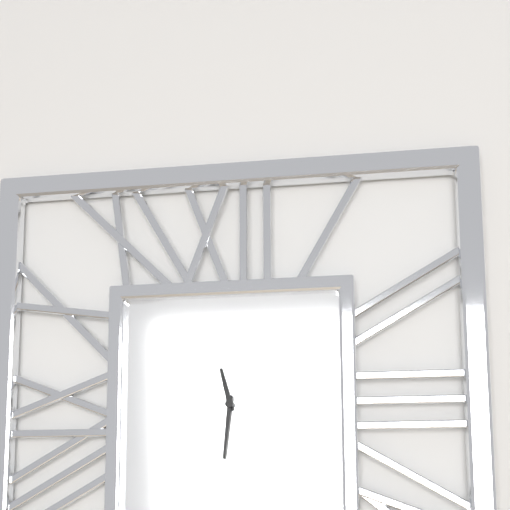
11,31
